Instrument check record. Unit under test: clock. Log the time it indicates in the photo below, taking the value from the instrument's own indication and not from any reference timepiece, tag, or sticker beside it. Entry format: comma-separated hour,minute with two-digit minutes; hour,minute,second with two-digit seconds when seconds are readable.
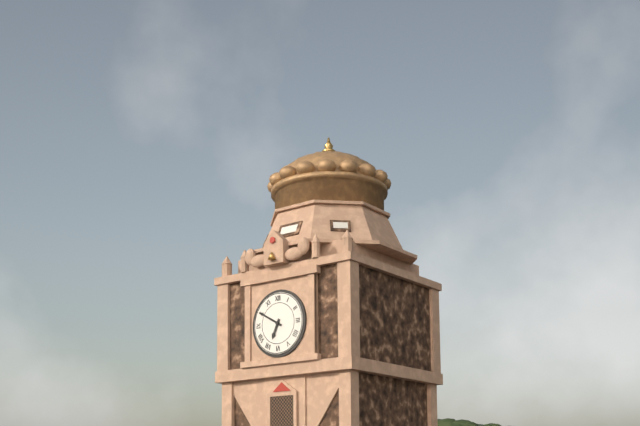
6,50
